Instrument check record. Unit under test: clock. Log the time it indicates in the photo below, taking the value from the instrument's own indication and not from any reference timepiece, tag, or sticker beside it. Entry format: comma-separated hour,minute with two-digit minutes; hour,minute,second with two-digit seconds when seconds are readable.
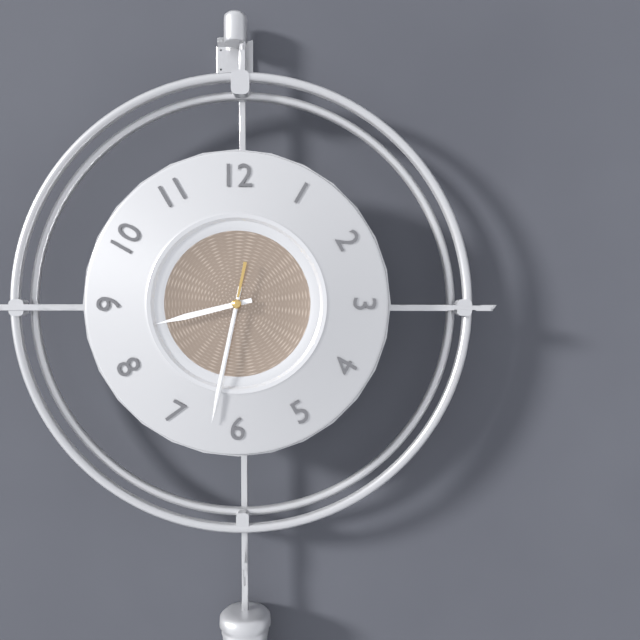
8,32,32
